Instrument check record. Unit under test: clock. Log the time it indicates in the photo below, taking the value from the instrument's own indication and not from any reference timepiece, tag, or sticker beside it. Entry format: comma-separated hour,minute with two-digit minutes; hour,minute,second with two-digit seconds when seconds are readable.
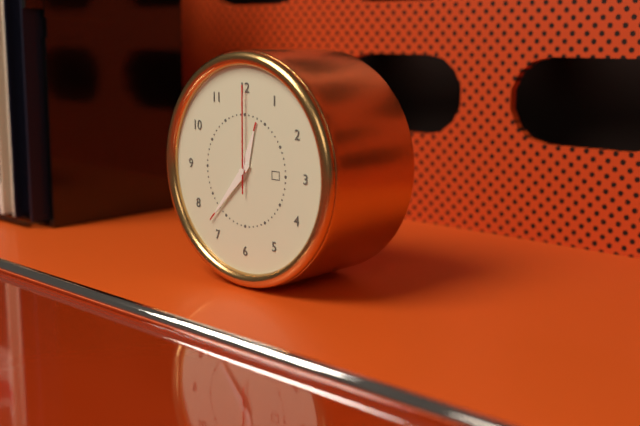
12,37,00
